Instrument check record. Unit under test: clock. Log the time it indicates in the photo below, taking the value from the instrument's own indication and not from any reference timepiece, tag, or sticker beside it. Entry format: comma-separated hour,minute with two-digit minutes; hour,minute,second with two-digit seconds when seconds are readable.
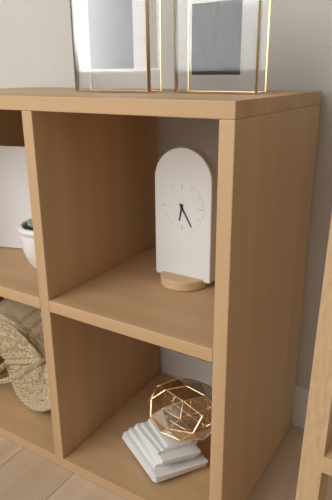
6,25
